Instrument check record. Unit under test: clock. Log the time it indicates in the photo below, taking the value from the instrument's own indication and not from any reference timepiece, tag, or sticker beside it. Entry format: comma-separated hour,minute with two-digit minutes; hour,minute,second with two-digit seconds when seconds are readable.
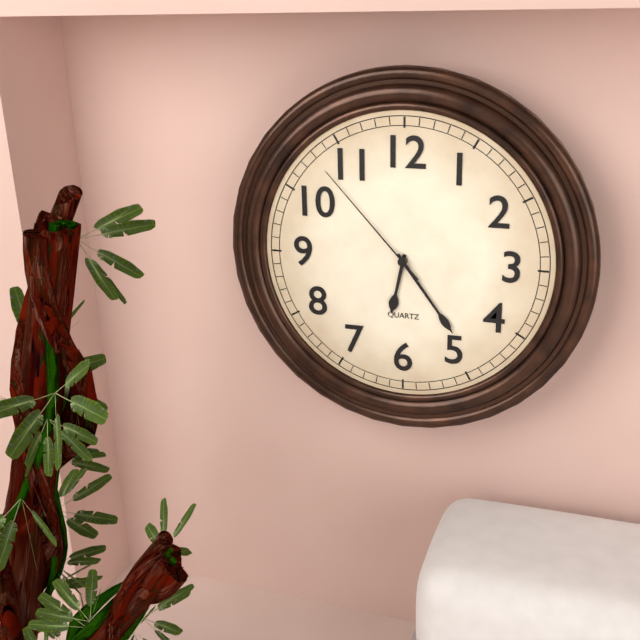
6,24,53
